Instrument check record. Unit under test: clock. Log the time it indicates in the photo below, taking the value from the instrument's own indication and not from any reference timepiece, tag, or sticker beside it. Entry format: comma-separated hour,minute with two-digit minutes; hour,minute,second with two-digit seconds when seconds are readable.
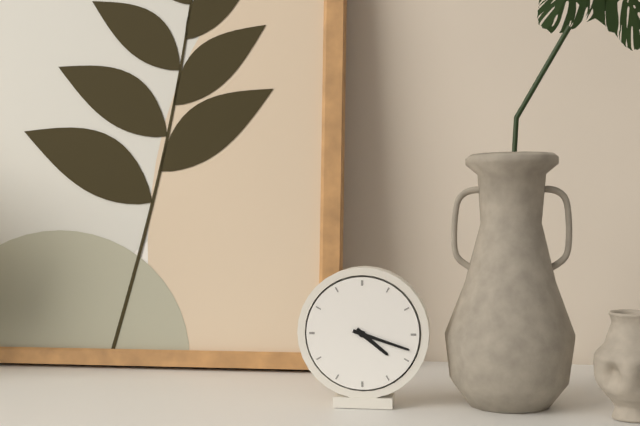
4,18
